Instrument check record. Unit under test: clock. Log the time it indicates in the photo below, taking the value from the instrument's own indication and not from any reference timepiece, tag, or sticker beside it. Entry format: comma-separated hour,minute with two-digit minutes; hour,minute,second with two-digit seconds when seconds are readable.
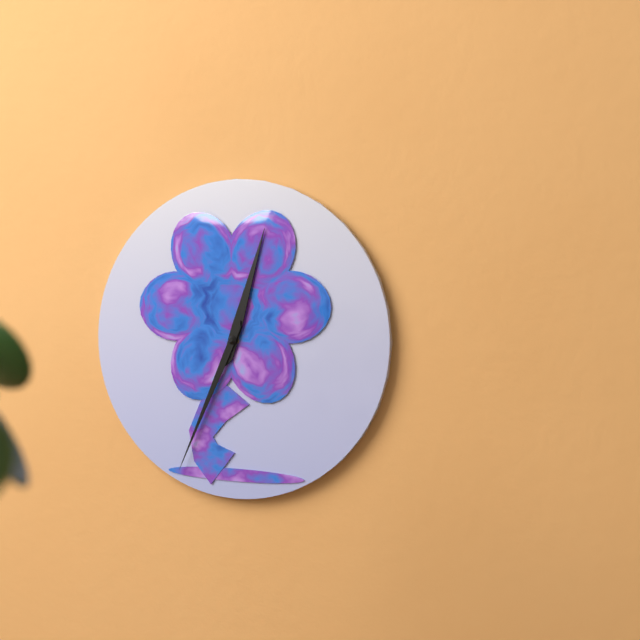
12,34
